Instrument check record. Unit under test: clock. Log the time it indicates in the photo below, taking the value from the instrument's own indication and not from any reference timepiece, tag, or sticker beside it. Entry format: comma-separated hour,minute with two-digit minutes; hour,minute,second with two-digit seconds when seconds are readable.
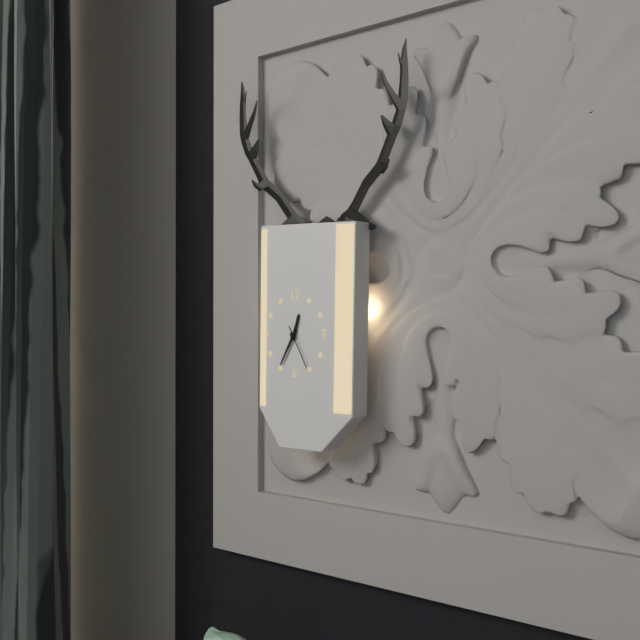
12,35
